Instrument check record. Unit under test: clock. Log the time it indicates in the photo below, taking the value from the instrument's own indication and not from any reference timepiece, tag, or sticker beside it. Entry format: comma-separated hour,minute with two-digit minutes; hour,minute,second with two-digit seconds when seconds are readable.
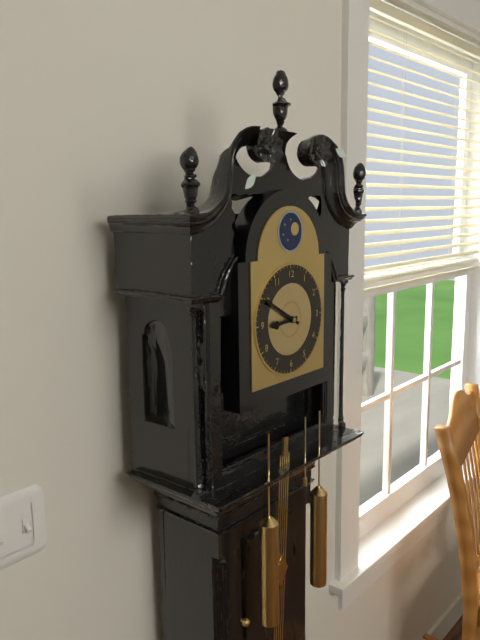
8,50
